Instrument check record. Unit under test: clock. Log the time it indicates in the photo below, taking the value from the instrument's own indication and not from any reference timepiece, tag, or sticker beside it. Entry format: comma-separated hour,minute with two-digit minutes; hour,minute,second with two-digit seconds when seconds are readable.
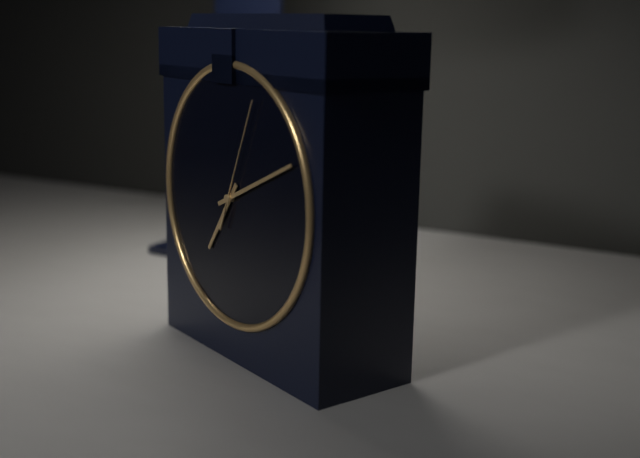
7,11,04
